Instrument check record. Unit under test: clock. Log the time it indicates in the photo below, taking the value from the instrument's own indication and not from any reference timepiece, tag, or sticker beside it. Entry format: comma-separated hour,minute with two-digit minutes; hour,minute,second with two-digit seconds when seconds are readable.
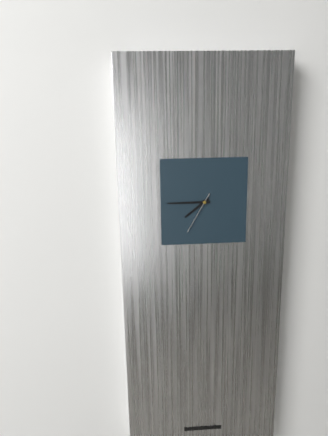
7,45
